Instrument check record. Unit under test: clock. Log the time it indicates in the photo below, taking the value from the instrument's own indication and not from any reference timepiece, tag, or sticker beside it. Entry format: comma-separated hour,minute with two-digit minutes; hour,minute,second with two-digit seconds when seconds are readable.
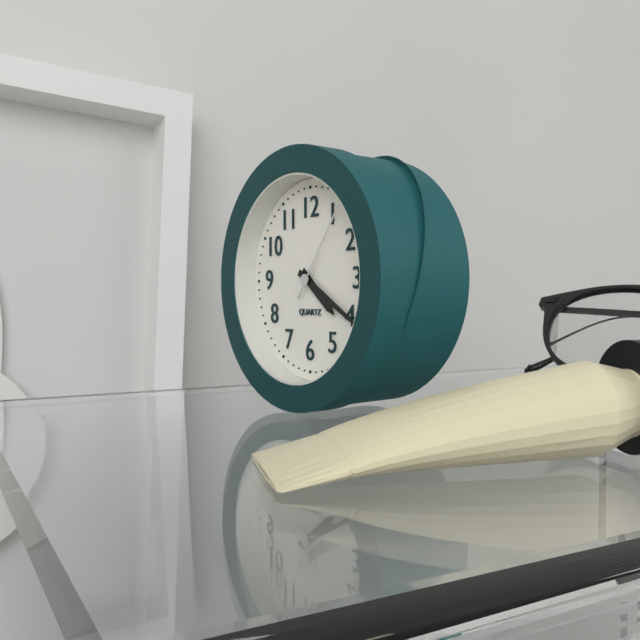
4,20,06
